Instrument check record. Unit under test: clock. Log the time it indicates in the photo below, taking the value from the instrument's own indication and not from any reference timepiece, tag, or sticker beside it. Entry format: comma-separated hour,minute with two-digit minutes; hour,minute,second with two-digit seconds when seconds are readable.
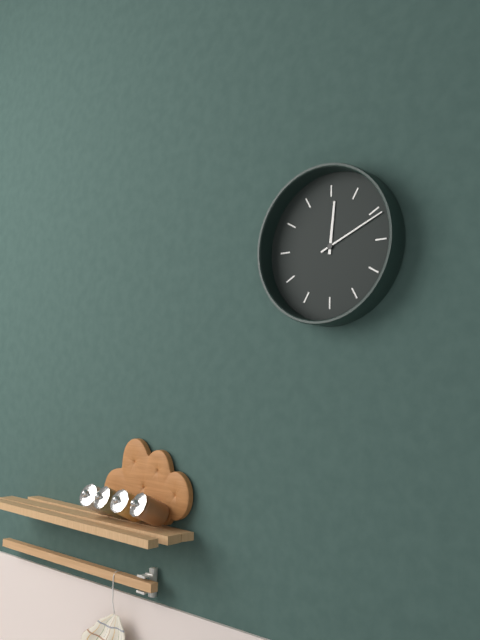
12,11
